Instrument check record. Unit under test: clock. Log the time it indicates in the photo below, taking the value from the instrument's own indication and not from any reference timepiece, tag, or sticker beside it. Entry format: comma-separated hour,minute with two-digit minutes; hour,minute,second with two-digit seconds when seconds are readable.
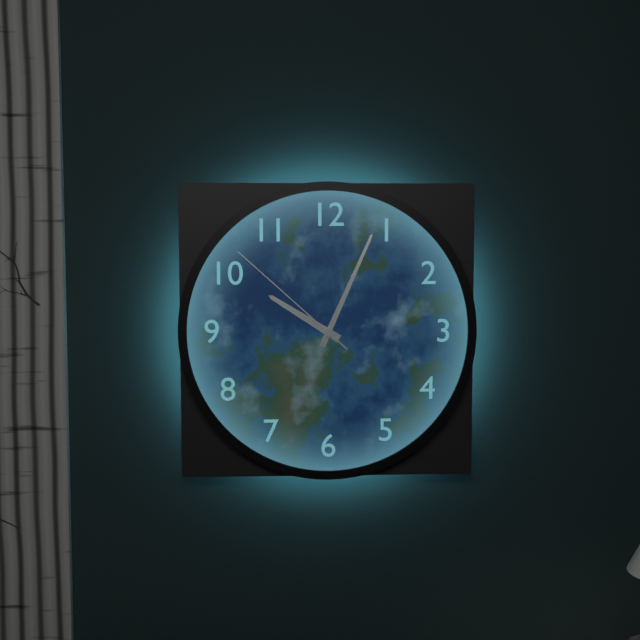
10,04,52
